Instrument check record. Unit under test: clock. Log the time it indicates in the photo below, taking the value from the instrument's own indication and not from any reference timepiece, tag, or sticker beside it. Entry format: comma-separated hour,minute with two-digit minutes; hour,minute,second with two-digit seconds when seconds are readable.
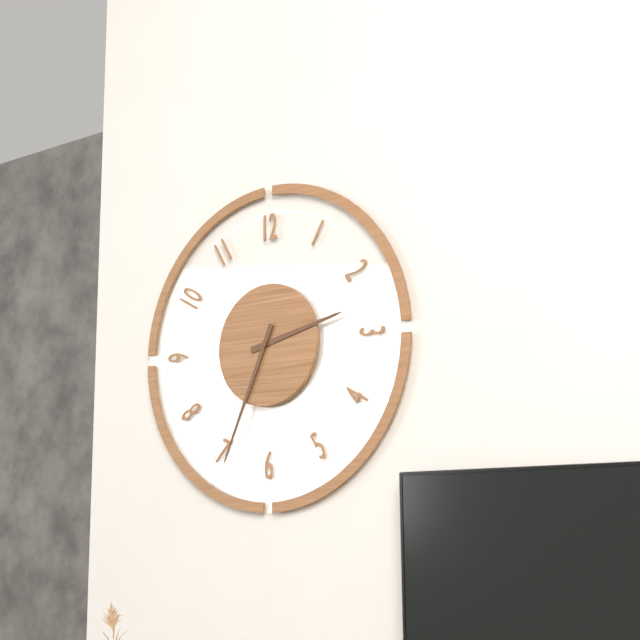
2,34
